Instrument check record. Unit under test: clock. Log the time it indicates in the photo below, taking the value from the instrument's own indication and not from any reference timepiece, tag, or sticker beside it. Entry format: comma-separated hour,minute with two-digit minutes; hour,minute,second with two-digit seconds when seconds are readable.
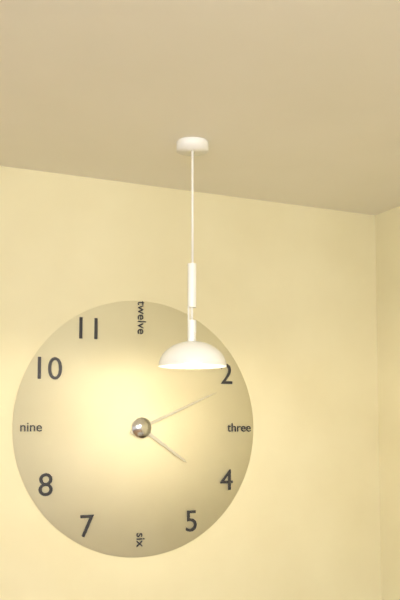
4,11
